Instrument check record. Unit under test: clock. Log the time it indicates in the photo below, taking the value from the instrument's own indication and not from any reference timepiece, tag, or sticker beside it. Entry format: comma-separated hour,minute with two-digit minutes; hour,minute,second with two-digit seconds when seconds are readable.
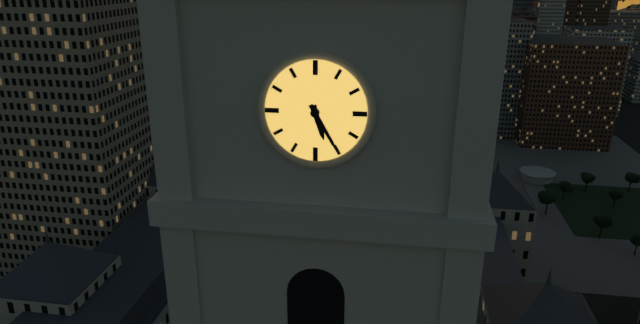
5,25
